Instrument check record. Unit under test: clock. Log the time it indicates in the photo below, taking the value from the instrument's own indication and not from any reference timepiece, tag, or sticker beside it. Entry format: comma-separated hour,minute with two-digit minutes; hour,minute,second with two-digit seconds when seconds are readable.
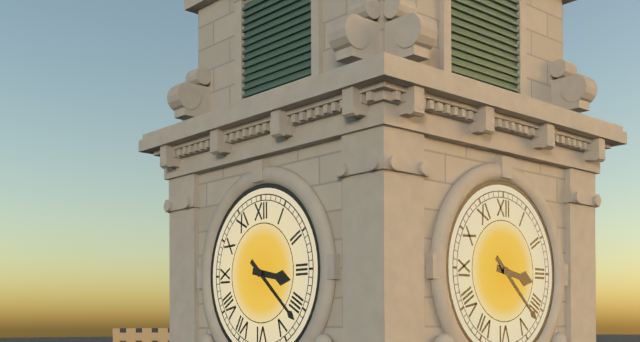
3,22
